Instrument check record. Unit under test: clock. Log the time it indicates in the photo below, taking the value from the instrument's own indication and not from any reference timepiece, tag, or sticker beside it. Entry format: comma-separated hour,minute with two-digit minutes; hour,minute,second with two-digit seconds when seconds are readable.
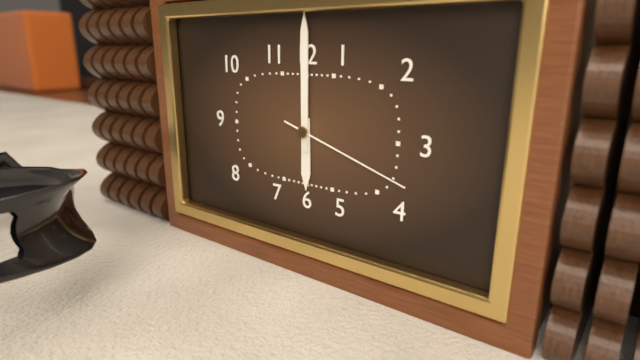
6,00,18
